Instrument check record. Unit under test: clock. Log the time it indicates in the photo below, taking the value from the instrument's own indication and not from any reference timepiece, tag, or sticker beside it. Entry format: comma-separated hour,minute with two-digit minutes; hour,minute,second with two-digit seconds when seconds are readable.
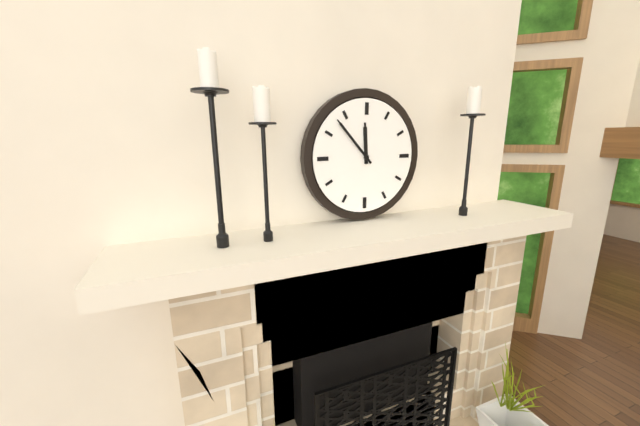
11,53
